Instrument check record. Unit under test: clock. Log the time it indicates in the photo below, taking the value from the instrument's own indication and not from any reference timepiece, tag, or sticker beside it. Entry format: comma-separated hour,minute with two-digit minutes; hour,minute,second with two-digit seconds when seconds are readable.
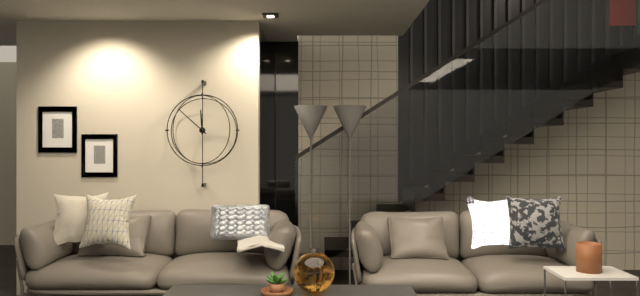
11,52
